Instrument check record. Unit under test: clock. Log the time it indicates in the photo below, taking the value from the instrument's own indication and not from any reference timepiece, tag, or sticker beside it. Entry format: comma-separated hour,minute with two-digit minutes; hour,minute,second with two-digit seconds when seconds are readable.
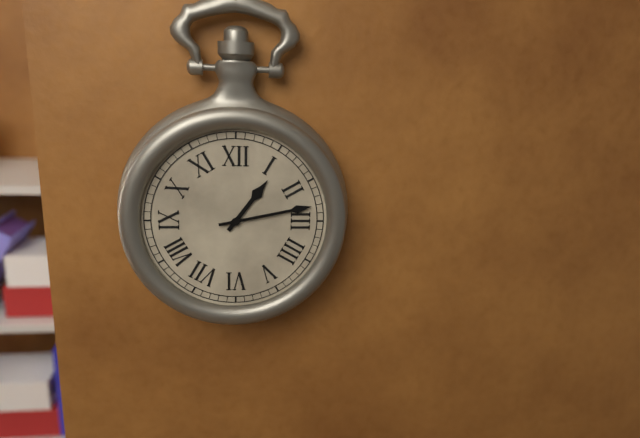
1,13
